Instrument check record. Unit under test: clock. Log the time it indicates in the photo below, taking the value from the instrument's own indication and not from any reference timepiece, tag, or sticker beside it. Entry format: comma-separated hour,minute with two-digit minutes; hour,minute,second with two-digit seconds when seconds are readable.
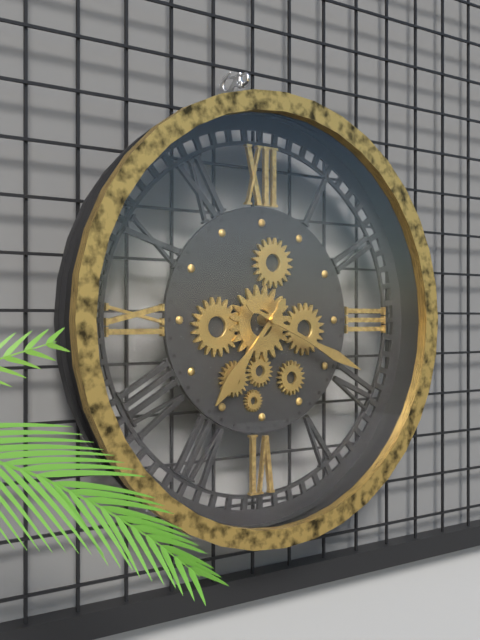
7,19
